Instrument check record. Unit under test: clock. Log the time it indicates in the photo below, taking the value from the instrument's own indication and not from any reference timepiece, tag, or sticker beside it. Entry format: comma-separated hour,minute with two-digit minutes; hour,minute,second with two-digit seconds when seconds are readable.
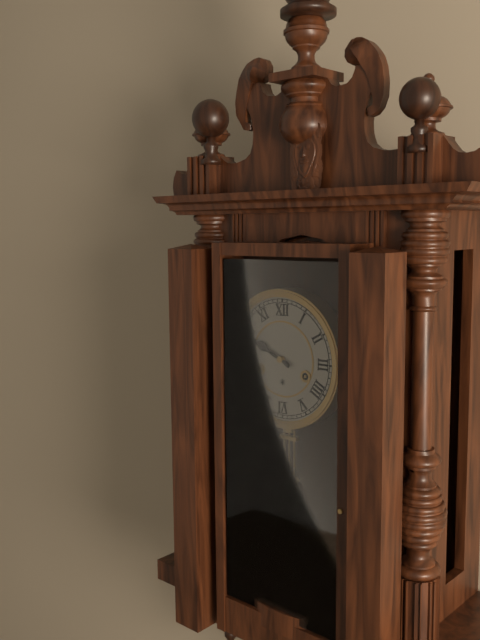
9,49
